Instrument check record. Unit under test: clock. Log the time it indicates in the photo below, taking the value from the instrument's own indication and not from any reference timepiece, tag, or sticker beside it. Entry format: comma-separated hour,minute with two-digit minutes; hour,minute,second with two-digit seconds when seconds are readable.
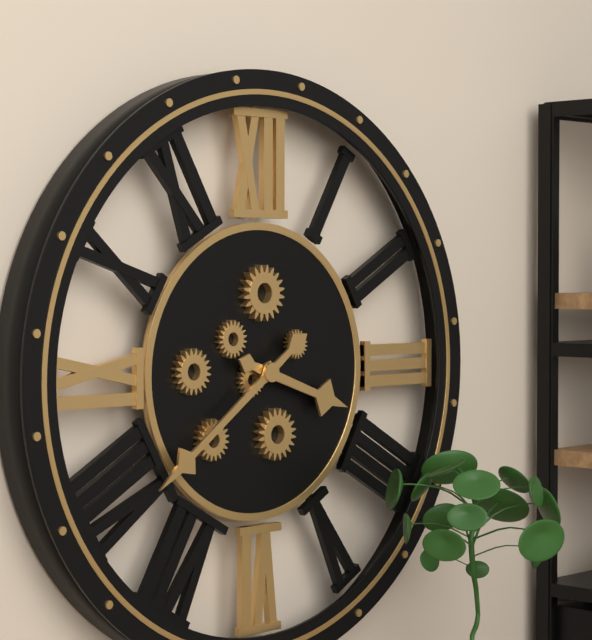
3,39
